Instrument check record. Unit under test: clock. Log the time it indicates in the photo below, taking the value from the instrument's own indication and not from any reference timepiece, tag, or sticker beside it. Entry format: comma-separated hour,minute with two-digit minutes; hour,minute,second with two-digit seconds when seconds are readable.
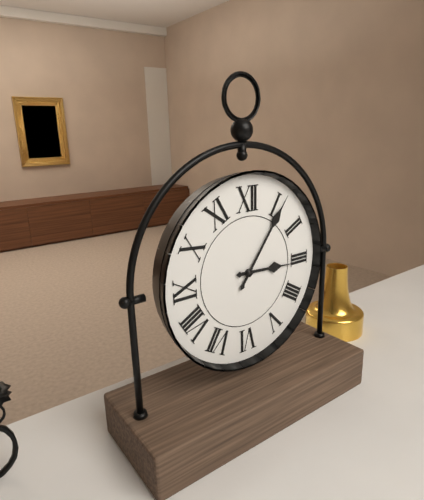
3,06
